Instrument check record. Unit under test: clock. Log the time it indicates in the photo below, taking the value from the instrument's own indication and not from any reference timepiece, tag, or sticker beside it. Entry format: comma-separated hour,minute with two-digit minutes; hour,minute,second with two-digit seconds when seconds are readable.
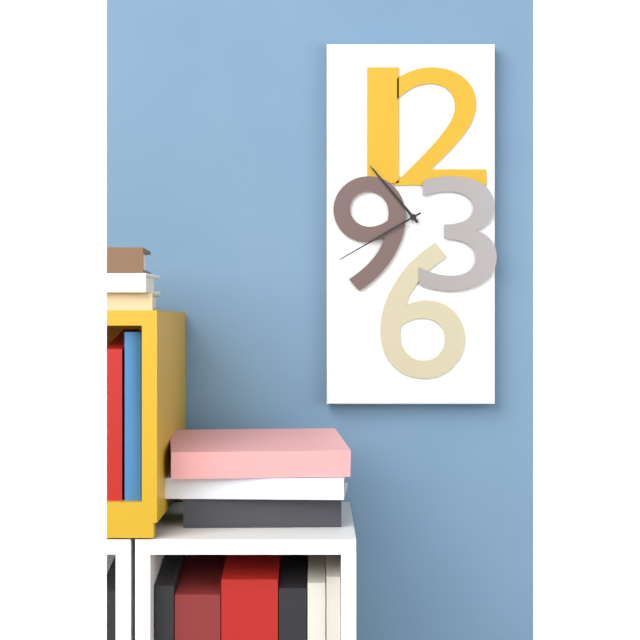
10,40
